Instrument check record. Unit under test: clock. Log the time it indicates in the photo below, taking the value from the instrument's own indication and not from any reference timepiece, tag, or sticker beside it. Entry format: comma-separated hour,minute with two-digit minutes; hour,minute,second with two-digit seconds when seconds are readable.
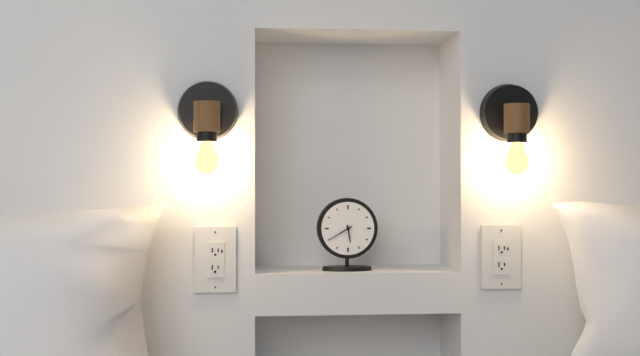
5,40
